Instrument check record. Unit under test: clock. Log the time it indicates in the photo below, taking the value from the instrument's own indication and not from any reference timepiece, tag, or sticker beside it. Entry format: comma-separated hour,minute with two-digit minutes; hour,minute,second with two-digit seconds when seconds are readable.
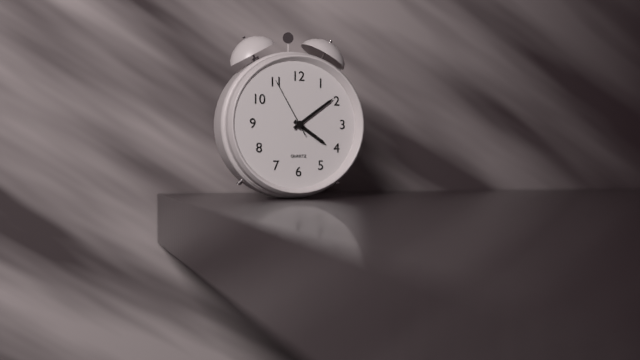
4,09,55
